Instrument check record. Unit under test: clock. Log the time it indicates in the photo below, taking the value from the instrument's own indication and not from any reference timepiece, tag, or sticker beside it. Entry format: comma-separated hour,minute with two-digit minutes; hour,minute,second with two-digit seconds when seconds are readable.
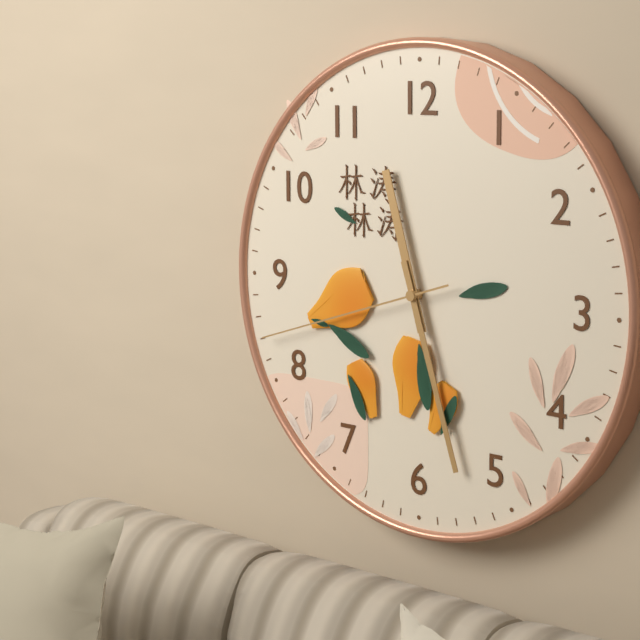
11,27,42
